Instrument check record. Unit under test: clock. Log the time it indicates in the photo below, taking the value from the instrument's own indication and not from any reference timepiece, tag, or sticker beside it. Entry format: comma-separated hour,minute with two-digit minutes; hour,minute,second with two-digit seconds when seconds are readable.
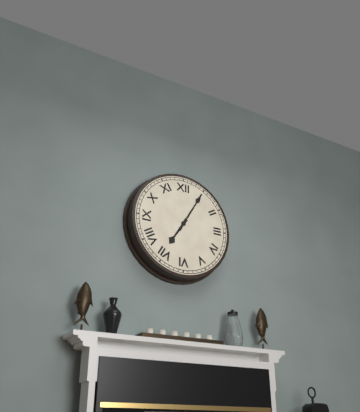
7,05
